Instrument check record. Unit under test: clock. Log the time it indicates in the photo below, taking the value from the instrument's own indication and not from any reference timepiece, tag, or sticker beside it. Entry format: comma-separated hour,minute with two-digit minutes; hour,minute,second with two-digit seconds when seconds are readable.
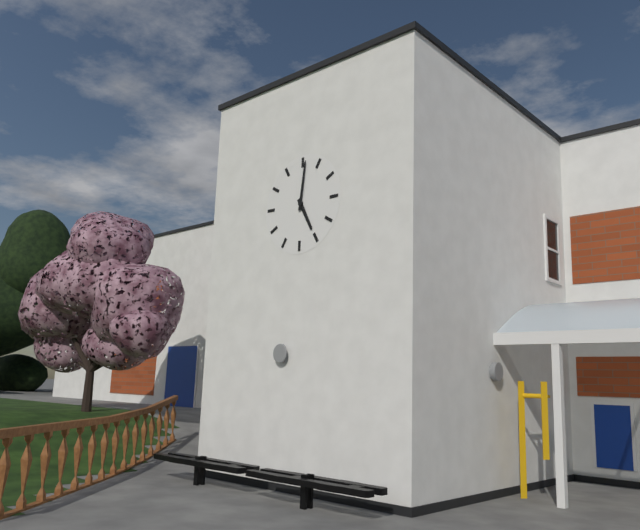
5,01
